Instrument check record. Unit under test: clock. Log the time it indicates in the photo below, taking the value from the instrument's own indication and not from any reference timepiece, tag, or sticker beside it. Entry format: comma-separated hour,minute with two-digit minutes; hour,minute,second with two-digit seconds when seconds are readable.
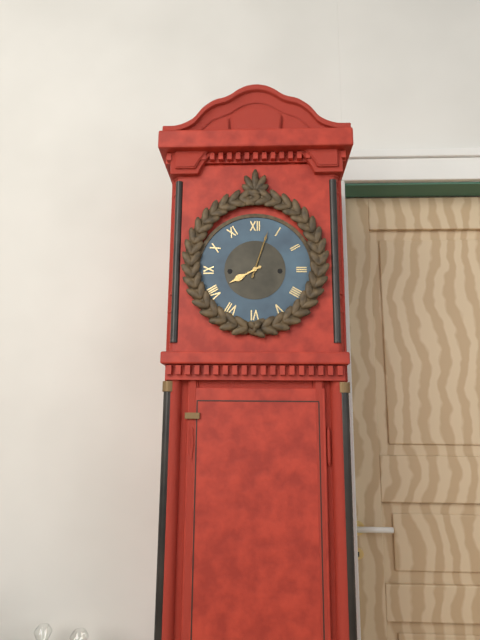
8,03
